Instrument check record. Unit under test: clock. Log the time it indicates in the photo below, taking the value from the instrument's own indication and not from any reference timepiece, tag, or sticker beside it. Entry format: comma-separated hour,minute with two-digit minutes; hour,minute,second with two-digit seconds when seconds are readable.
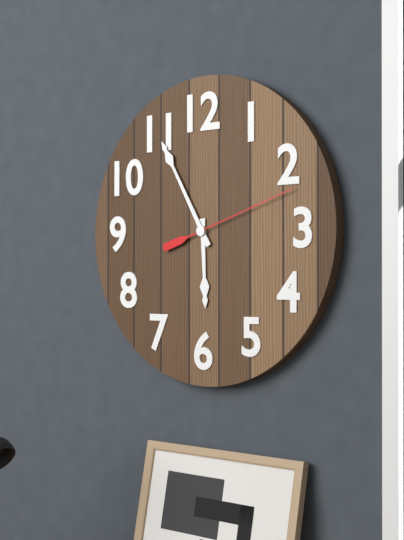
5,55,12
